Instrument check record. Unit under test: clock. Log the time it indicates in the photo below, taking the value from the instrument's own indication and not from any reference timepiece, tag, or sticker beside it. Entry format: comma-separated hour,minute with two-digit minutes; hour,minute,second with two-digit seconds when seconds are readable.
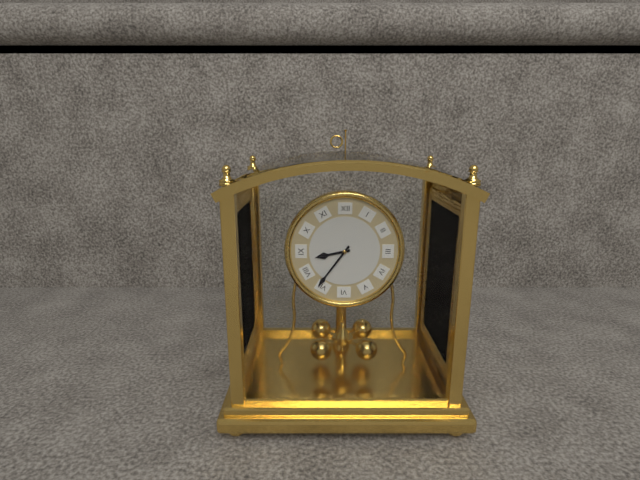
8,36
